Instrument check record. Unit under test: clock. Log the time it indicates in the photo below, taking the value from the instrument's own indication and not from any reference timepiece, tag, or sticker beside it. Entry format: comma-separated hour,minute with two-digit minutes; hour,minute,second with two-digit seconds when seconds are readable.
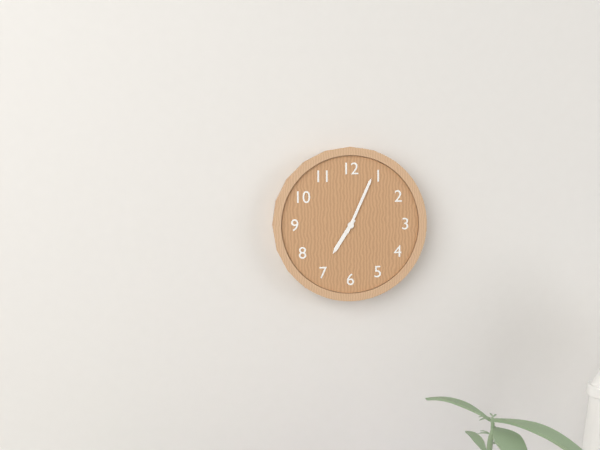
7,04
